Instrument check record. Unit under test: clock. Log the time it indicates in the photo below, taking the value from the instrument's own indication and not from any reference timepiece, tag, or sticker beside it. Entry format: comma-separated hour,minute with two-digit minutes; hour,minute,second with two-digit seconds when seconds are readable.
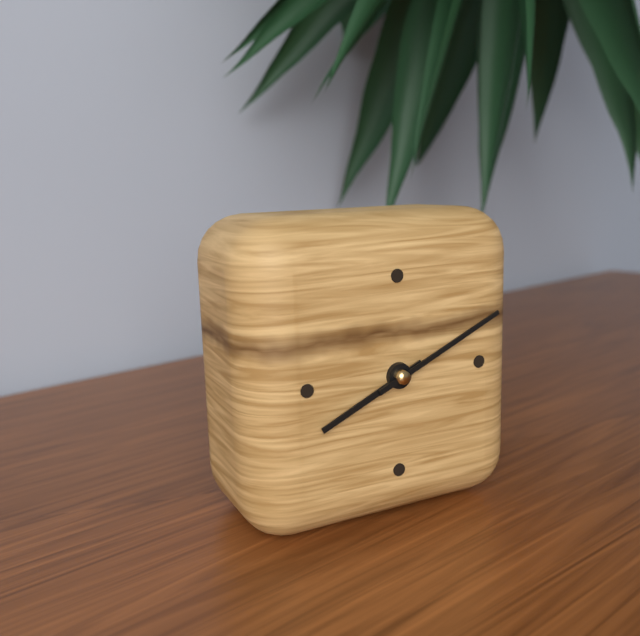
8,11
